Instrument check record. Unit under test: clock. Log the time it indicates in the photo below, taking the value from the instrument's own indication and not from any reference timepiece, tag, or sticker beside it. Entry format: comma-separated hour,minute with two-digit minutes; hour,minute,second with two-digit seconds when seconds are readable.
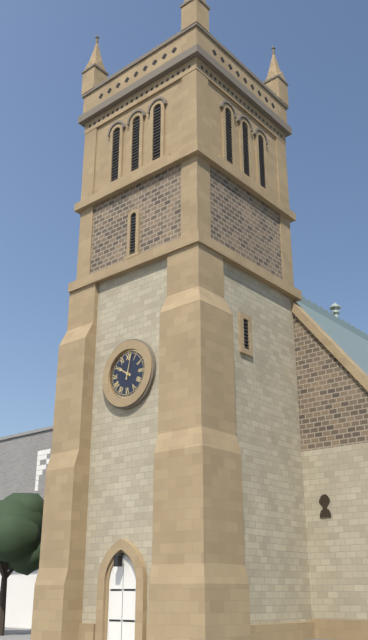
10,02
